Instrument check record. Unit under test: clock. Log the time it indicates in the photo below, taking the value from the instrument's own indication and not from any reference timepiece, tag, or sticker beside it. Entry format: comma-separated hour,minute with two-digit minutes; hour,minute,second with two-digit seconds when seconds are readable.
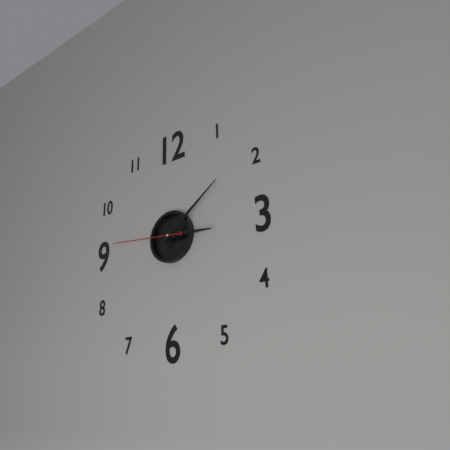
3,09,46
